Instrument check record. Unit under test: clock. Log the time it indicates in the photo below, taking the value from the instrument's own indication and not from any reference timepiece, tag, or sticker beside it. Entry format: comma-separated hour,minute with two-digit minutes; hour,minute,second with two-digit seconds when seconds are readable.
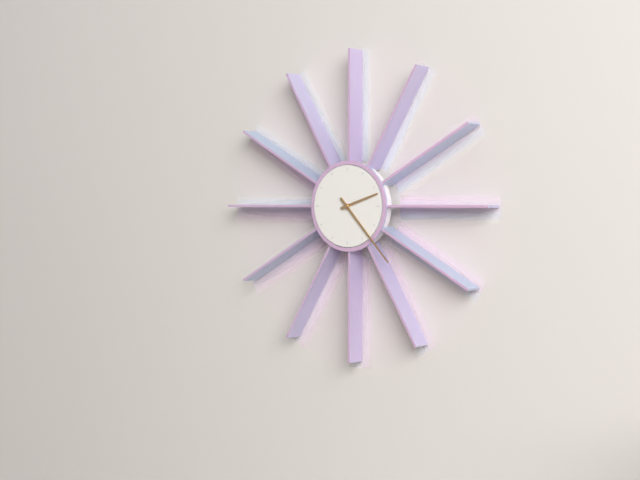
2,23
